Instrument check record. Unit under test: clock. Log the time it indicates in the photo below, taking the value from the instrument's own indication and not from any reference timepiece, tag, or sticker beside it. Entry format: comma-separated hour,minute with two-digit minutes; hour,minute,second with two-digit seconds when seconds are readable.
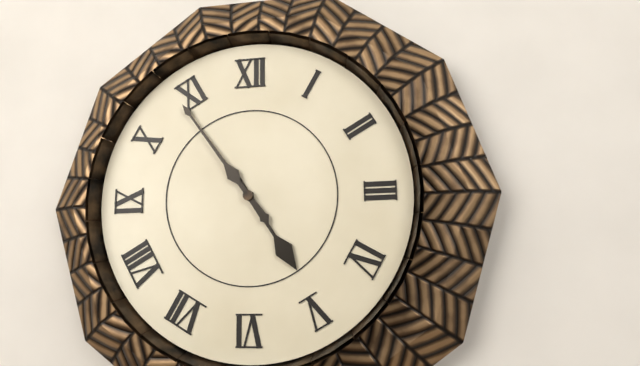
4,54
